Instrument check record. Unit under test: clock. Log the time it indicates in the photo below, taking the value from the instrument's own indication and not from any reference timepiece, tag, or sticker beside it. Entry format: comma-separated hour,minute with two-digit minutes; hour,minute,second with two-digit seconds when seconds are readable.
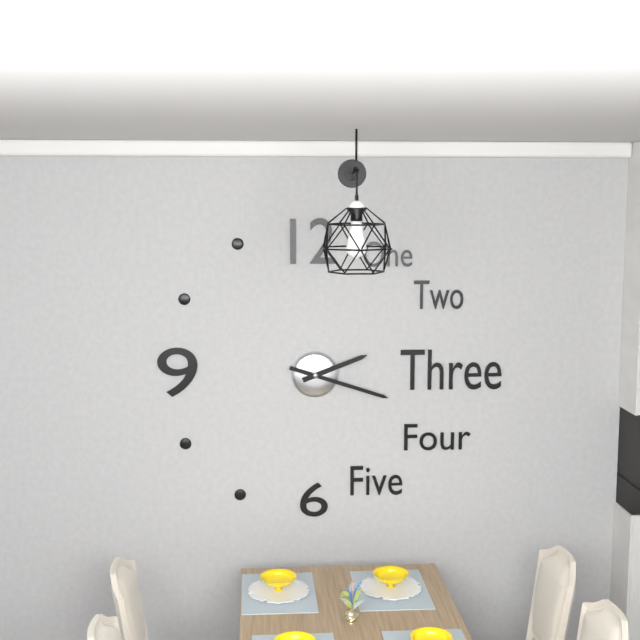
2,18
